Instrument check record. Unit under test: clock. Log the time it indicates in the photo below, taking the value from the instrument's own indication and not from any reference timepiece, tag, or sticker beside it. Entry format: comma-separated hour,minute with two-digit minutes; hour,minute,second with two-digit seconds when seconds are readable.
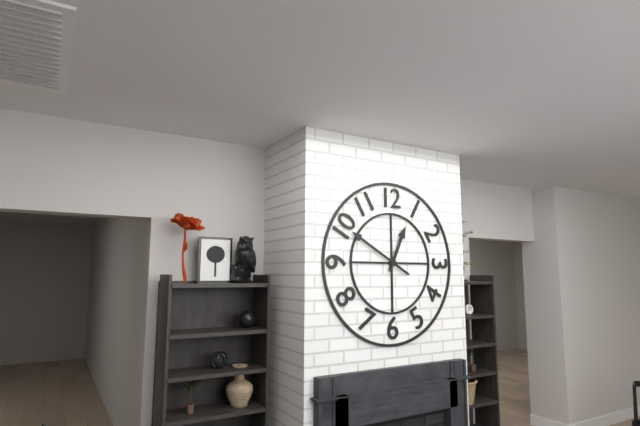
12,50
